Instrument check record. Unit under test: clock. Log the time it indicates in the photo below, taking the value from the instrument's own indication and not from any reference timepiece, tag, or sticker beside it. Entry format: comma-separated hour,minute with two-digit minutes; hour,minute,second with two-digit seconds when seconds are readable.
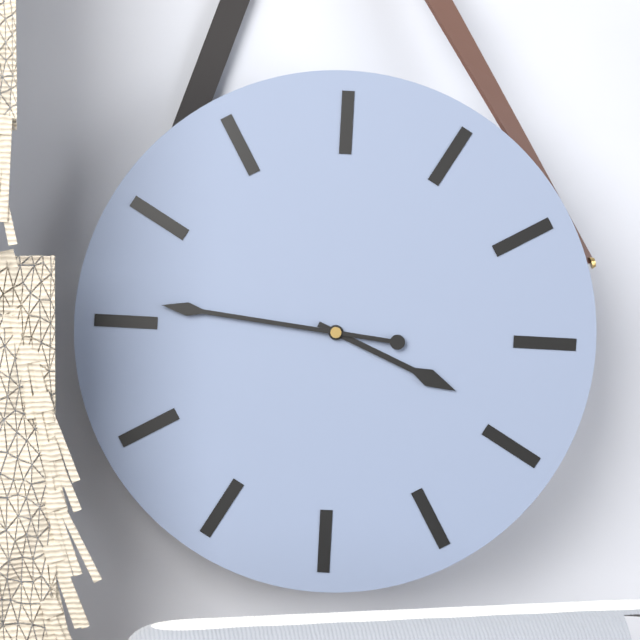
3,46
